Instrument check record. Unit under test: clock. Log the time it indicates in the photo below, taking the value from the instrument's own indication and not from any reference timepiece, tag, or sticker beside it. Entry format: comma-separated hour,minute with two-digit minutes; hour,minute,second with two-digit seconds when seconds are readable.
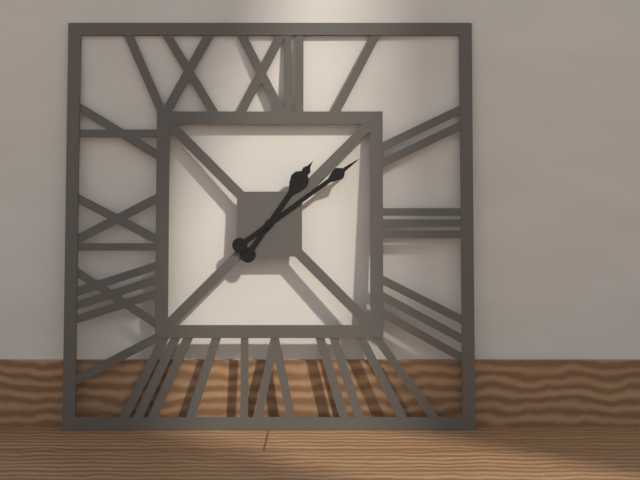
1,09
